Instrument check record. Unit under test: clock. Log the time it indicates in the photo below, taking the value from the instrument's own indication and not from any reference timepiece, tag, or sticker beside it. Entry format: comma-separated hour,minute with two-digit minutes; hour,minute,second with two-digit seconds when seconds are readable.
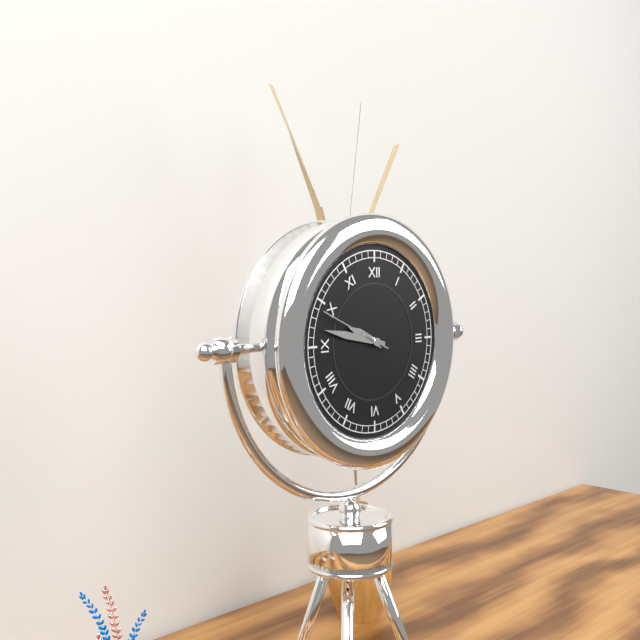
9,47,49
